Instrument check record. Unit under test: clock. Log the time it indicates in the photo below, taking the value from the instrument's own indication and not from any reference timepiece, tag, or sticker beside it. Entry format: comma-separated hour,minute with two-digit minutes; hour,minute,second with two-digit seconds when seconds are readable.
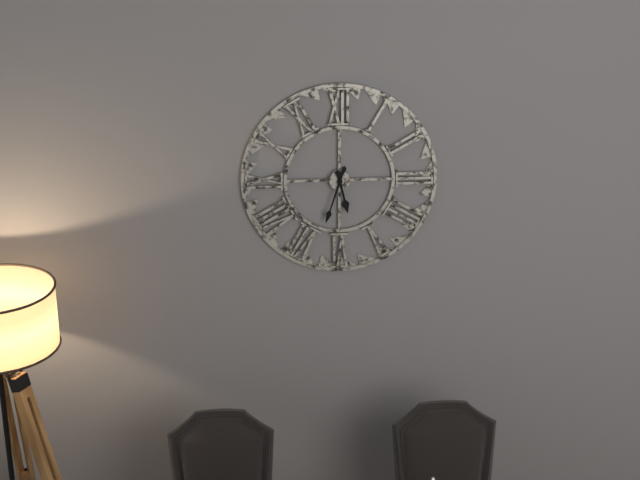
5,33
